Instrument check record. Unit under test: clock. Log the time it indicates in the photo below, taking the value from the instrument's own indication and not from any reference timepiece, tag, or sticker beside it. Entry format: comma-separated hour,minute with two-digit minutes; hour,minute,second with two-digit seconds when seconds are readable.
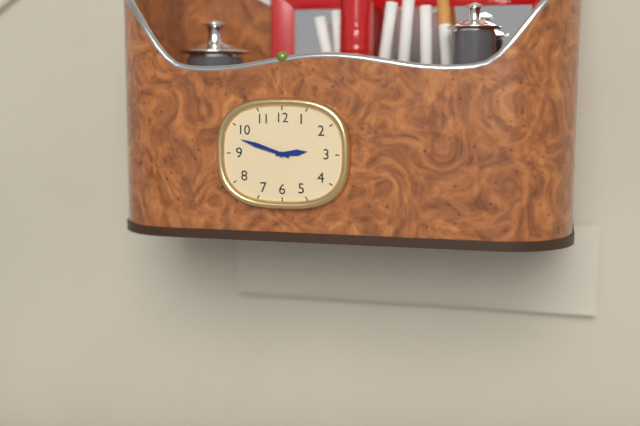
2,48
